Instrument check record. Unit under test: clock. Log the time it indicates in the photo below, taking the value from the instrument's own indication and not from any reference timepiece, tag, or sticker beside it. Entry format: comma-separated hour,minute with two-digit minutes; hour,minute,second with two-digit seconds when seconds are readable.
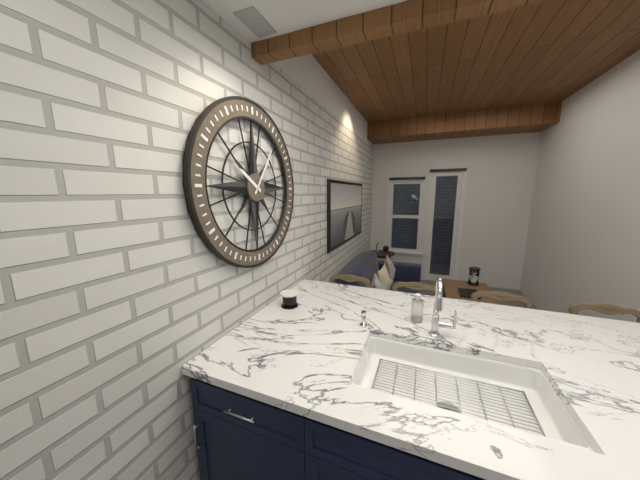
10,06
